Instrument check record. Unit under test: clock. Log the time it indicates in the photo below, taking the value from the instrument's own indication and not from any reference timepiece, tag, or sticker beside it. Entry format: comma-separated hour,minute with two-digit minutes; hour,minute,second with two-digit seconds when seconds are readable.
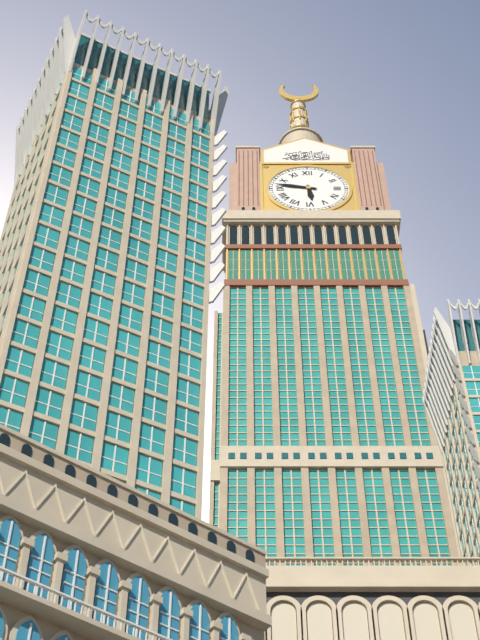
5,47
